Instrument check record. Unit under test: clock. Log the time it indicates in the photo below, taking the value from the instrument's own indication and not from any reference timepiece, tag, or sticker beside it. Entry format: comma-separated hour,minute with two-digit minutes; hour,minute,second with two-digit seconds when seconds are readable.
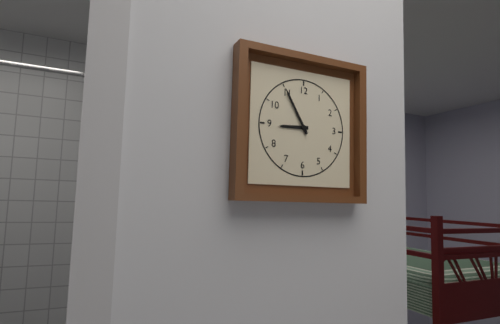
8,55
